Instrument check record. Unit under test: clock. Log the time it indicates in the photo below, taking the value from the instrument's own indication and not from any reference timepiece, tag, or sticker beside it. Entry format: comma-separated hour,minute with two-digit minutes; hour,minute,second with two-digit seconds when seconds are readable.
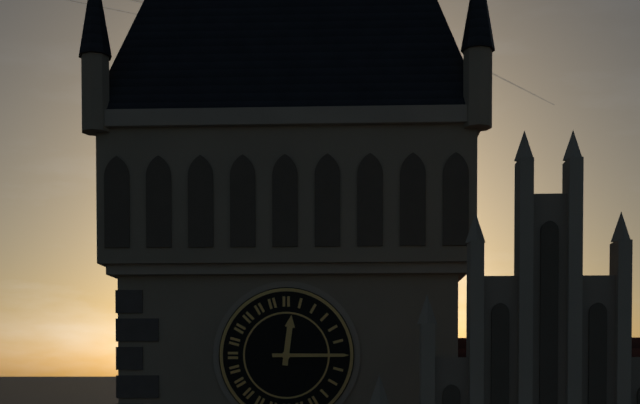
12,15
